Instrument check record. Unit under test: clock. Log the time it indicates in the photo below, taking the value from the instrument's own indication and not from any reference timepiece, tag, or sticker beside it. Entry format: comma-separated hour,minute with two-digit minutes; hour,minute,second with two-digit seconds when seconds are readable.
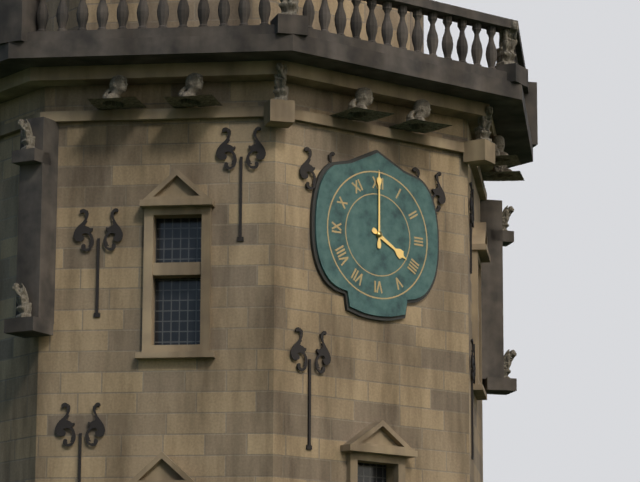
4,00
